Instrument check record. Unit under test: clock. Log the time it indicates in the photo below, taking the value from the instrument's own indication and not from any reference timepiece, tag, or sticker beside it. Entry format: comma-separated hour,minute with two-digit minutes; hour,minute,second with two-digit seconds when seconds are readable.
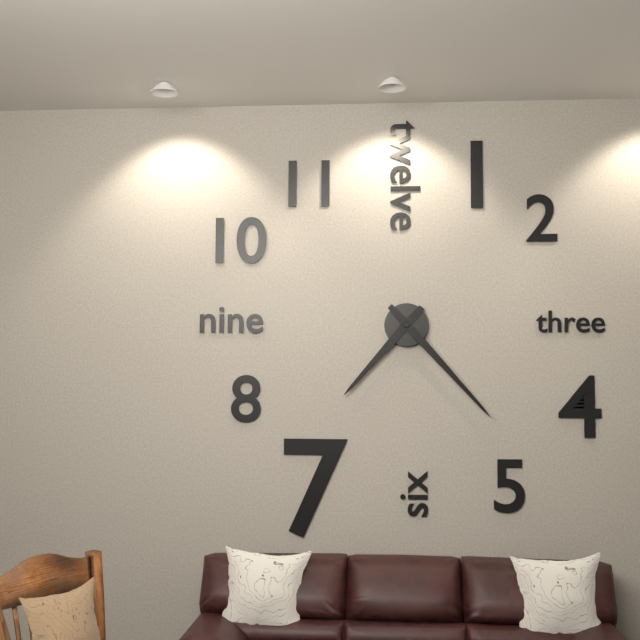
7,23
